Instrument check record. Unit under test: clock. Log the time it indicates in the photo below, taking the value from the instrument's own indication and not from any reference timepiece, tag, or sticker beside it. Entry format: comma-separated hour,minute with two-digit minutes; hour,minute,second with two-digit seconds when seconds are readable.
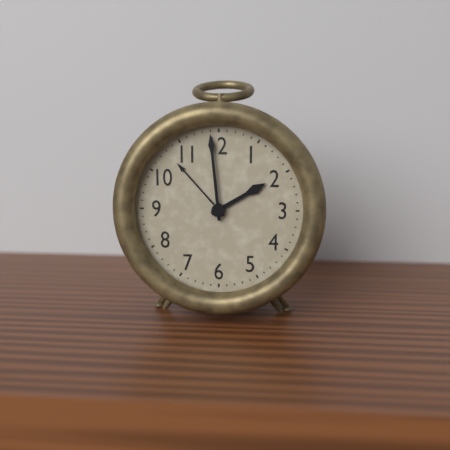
1,59
